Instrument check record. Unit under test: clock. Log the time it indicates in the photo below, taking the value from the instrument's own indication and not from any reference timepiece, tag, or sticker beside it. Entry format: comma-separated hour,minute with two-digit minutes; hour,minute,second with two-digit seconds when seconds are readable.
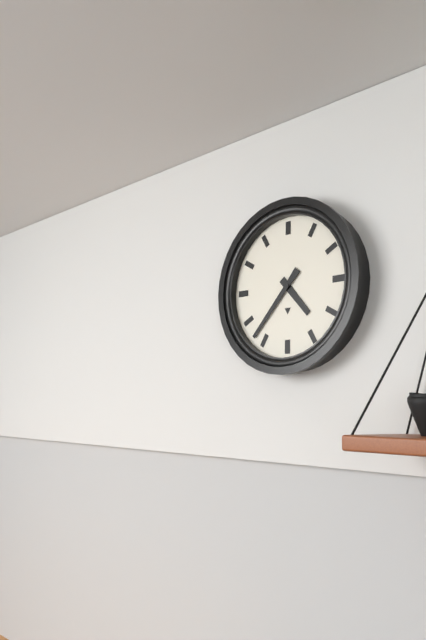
4,37
